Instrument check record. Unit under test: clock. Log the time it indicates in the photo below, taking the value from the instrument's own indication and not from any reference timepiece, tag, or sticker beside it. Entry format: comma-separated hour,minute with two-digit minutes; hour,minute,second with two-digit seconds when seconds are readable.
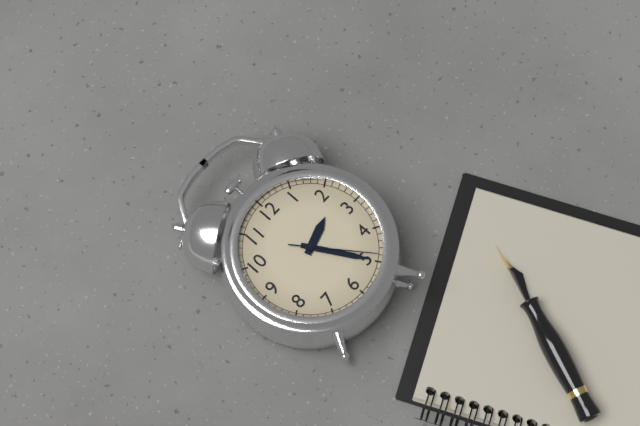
2,25,24
